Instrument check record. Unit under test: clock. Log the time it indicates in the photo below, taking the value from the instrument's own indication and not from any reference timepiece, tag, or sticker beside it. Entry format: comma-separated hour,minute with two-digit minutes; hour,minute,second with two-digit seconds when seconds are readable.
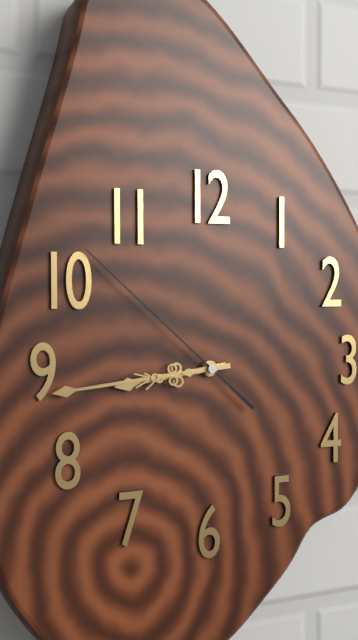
8,44,52
